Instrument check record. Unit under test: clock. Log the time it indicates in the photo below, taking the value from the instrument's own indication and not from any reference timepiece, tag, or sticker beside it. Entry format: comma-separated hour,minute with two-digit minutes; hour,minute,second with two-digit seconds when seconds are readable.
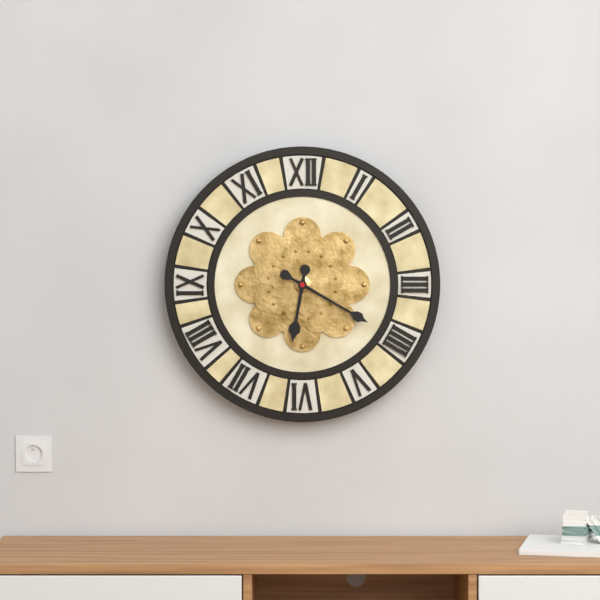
6,20
